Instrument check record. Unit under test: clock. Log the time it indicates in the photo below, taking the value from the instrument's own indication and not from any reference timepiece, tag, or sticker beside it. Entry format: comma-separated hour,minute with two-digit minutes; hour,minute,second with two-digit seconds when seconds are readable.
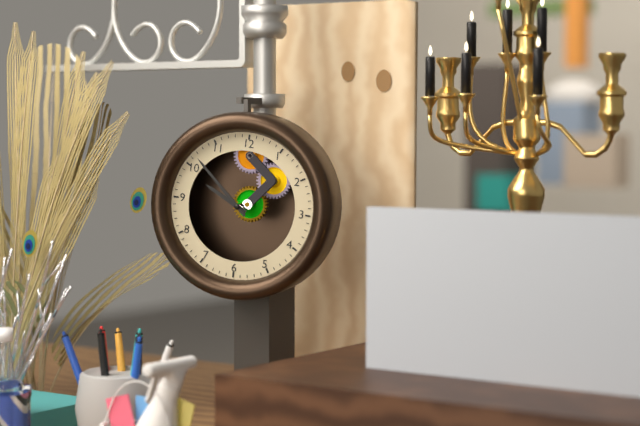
9,52
